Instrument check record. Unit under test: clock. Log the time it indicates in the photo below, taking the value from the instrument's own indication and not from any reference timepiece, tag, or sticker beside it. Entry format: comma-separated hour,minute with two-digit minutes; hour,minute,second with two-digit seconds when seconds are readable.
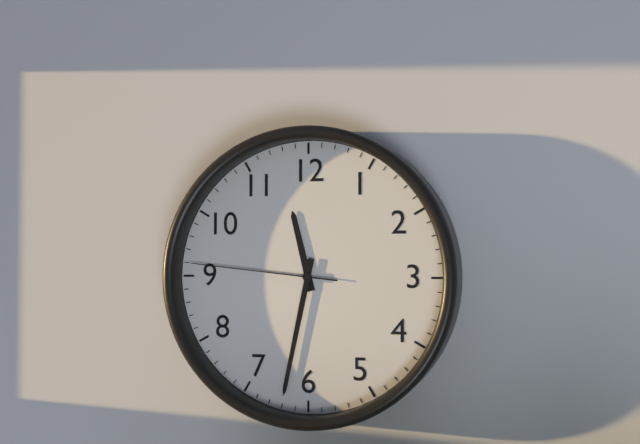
11,32,46
